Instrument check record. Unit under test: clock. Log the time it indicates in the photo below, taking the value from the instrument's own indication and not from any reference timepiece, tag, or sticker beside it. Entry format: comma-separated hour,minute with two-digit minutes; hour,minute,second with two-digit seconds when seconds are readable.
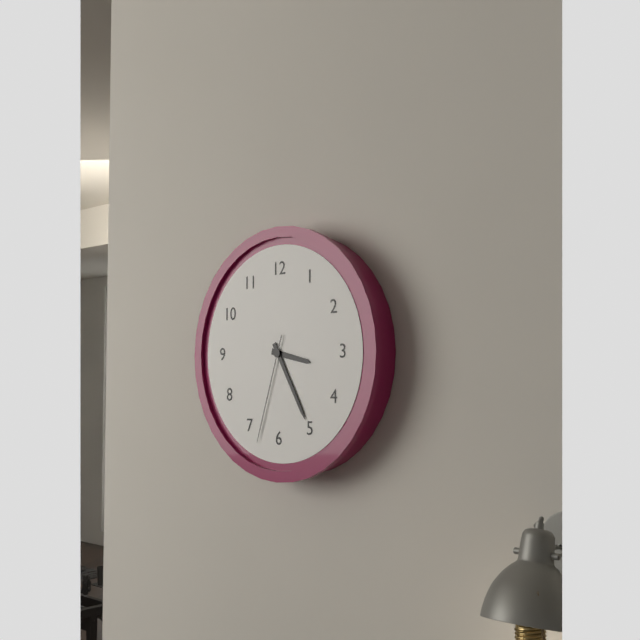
3,25,33
